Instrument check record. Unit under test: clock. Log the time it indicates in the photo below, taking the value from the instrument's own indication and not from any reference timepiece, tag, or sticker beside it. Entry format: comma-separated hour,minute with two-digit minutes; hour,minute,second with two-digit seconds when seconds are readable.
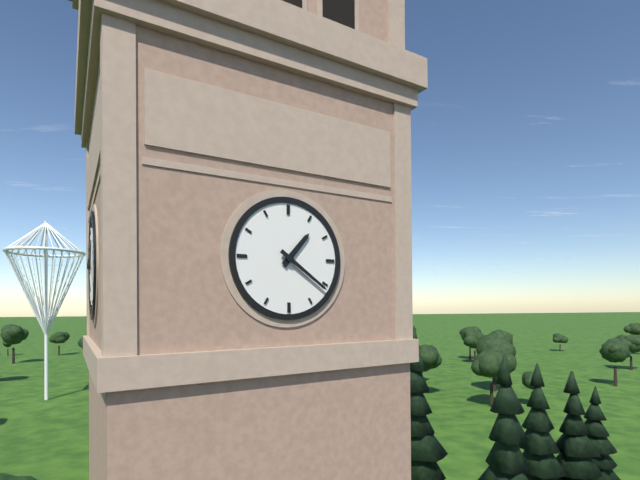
1,21
